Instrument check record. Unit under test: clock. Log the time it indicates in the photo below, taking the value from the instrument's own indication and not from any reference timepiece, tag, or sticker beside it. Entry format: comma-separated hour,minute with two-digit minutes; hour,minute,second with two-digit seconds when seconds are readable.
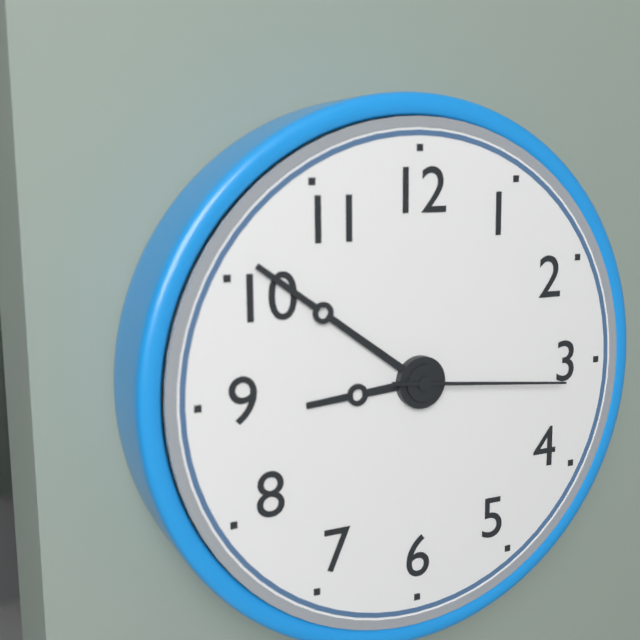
8,51,16
